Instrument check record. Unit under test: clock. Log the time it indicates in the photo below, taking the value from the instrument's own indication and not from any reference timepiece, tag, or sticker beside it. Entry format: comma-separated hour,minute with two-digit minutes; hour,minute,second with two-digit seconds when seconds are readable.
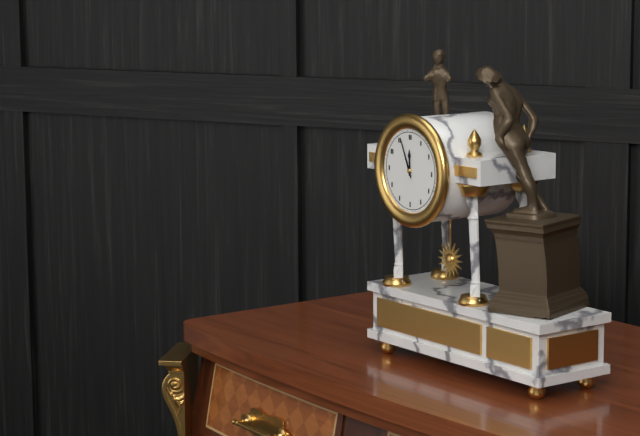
11,56
